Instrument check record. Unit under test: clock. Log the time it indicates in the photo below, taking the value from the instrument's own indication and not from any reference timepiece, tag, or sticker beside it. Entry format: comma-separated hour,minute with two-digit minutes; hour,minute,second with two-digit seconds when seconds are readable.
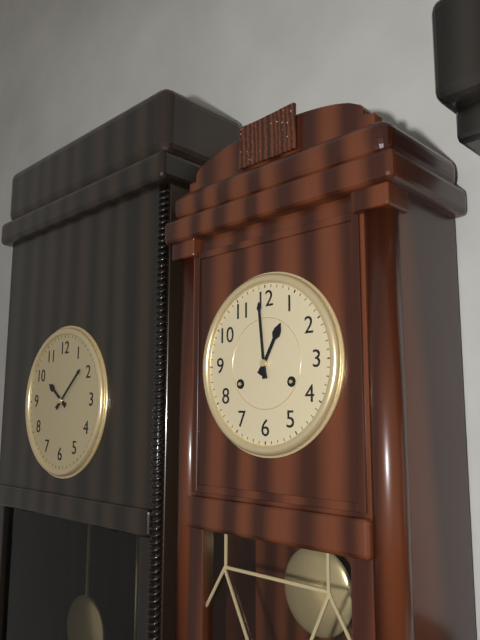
12,59
